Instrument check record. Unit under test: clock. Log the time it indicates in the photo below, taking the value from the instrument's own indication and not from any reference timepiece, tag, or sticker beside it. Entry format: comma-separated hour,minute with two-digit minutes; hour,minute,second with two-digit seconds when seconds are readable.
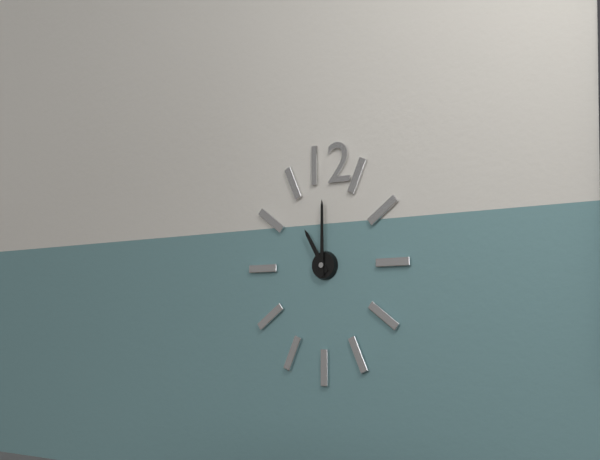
11,00
